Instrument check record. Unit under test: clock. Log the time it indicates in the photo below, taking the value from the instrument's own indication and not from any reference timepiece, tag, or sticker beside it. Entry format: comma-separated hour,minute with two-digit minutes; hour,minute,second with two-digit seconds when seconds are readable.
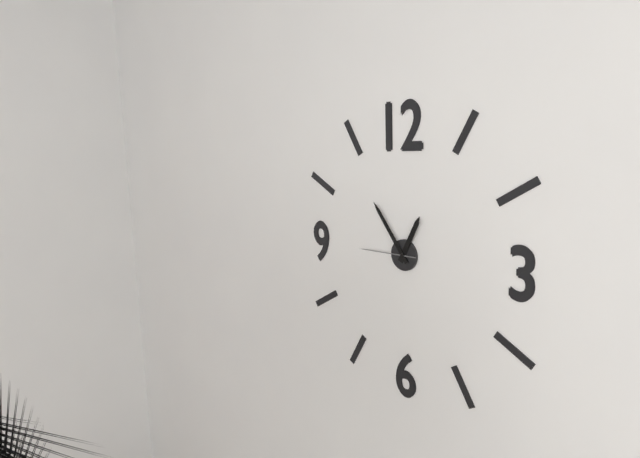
12,54,45
